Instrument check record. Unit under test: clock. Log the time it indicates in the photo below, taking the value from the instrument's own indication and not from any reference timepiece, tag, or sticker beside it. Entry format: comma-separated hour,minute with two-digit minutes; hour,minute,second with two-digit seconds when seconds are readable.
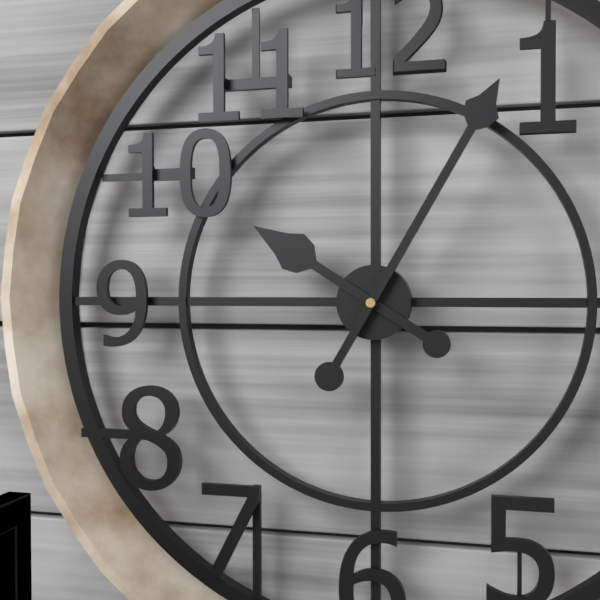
10,05
